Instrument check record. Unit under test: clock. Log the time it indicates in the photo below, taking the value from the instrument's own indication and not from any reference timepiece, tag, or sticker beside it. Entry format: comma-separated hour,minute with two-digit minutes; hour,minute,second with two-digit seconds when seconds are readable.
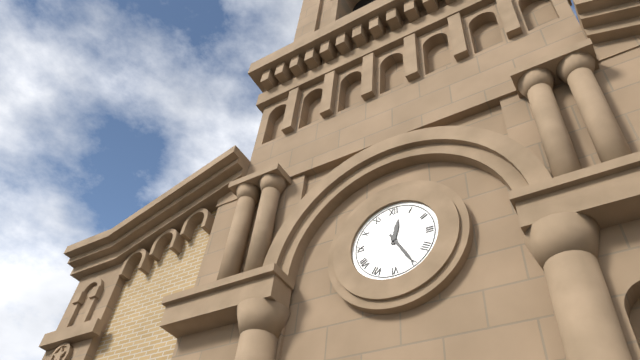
12,25
